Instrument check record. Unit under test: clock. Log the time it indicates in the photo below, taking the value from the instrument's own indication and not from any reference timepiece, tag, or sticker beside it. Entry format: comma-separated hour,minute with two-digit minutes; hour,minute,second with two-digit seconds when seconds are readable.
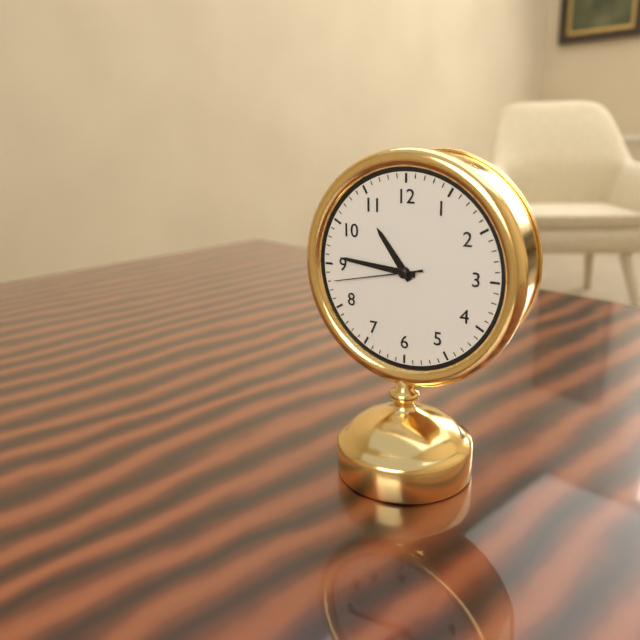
10,46,43
